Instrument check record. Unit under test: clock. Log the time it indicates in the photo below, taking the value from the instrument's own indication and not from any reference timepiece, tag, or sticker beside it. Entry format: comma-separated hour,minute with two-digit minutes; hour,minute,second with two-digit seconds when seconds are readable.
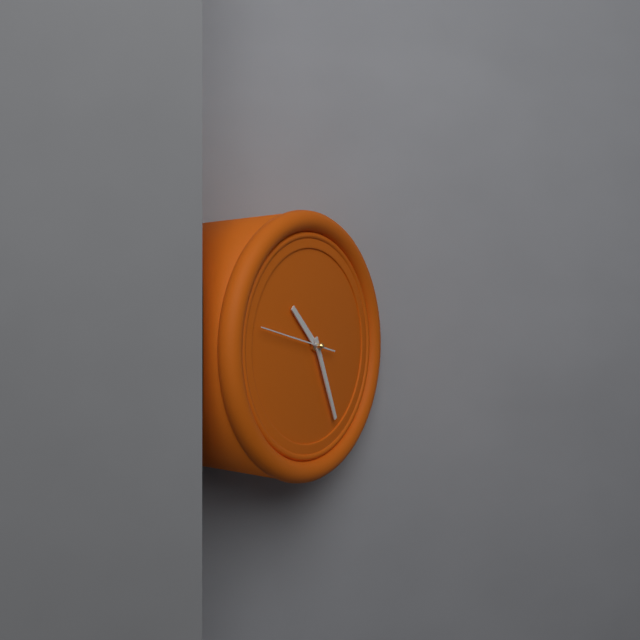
10,26,47
